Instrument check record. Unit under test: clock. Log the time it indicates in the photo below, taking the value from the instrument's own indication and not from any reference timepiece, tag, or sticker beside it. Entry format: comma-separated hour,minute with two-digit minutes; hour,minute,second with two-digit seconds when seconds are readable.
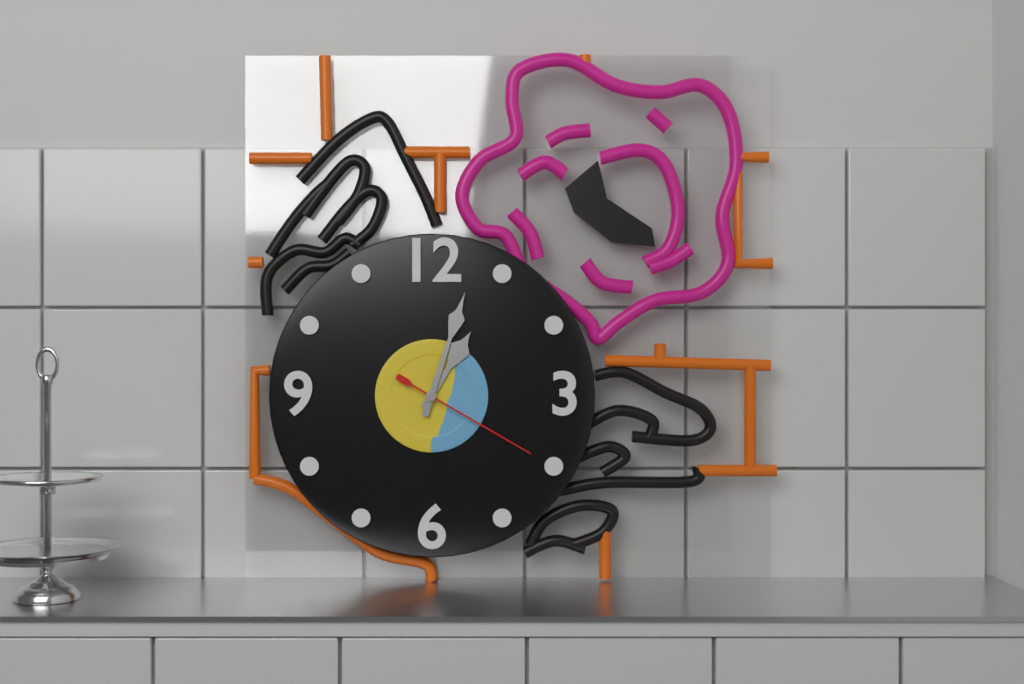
1,03,20
